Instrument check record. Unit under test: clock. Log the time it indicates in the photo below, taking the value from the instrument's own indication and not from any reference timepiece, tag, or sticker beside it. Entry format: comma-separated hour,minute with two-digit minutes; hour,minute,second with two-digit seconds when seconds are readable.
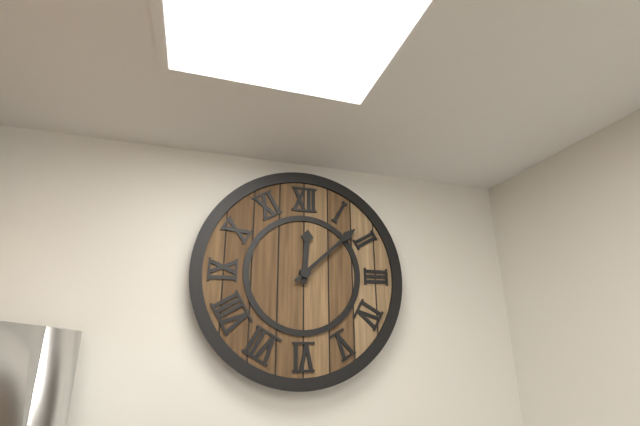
12,08
